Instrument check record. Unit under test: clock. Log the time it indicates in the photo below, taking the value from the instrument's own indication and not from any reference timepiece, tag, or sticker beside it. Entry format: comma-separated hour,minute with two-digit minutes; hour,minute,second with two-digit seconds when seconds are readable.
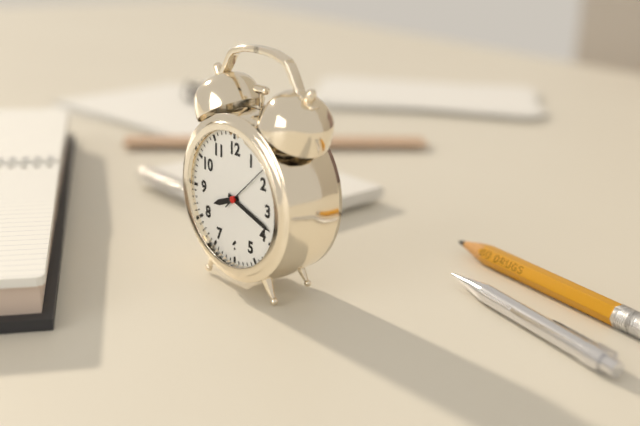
8,18,08
